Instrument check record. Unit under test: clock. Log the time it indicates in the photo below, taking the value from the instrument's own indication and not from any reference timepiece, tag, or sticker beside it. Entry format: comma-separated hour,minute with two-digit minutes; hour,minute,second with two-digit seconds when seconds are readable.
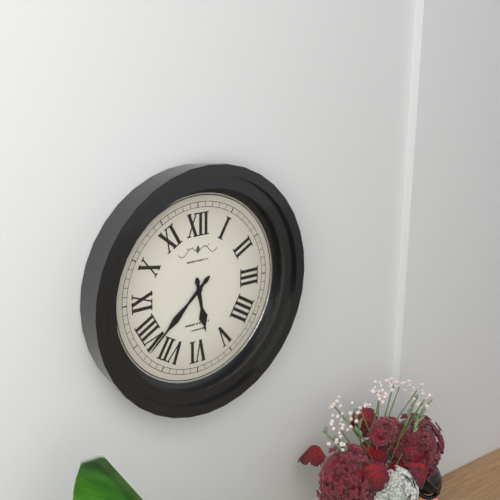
5,38
